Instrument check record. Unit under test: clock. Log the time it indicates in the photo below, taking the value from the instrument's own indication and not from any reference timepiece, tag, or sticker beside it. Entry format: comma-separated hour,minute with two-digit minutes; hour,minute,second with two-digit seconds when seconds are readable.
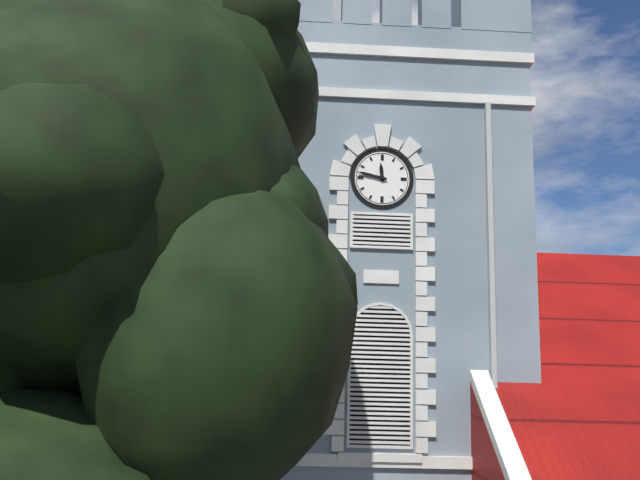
11,47
